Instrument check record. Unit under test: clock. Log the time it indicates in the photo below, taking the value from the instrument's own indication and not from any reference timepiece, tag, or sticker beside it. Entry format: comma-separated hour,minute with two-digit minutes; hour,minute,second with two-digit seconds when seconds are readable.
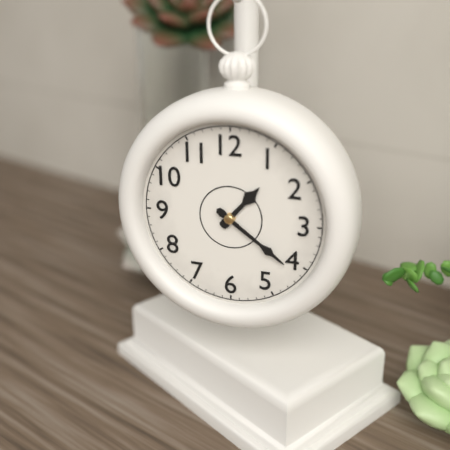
1,21
